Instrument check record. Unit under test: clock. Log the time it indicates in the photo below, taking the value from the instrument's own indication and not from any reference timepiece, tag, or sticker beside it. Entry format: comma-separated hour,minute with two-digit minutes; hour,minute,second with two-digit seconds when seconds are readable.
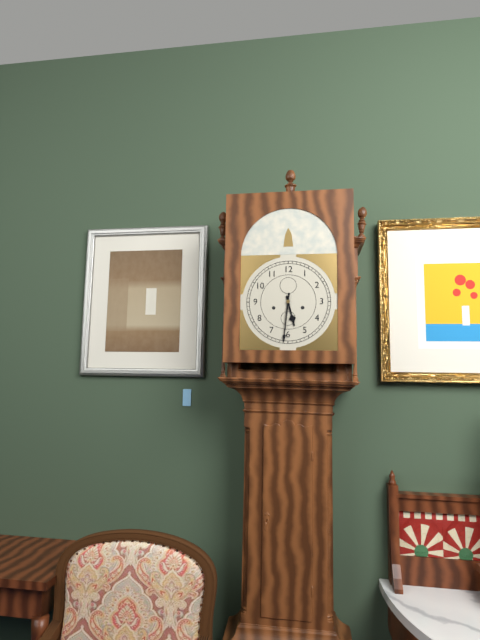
5,31
